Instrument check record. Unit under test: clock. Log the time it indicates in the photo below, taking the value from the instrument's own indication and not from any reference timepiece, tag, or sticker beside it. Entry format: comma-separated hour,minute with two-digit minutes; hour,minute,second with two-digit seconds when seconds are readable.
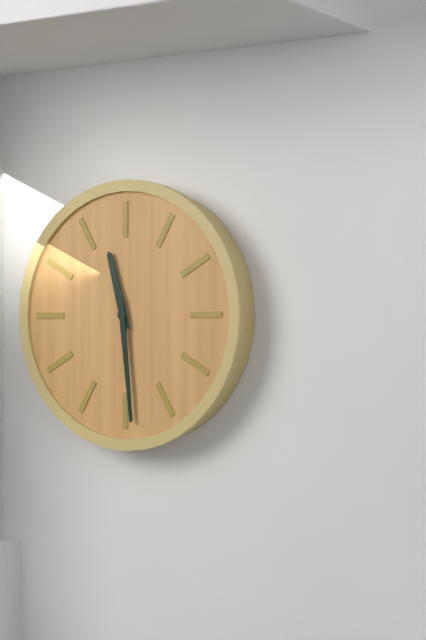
11,29
